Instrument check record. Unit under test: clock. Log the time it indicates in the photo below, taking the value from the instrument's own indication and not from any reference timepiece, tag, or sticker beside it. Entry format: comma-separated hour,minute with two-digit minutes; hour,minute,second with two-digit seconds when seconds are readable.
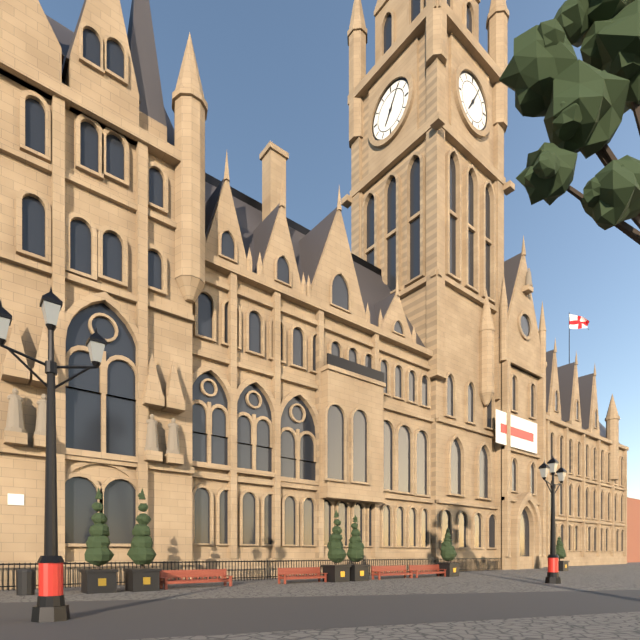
7,05
